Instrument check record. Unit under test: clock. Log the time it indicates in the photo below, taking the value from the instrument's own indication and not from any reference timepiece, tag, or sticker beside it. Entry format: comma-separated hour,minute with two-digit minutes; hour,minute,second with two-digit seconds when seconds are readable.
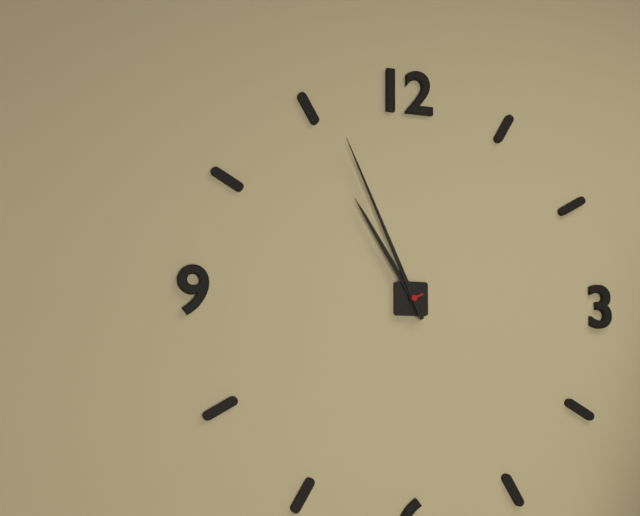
10,56
